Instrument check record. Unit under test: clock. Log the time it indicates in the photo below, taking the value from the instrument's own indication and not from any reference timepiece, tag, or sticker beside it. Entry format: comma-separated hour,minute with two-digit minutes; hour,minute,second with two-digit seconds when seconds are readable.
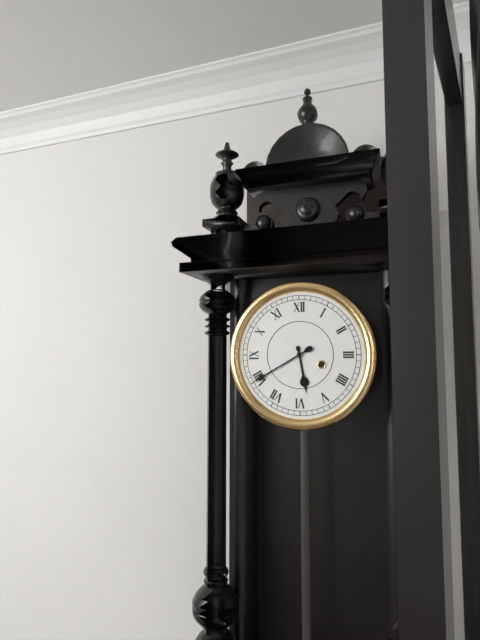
5,40
